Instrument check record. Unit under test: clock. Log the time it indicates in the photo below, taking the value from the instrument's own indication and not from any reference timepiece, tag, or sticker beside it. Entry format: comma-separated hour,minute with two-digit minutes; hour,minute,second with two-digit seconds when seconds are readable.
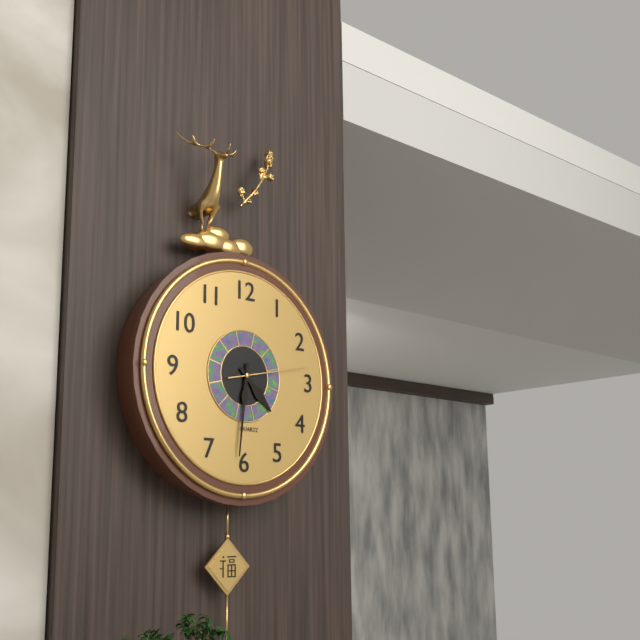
4,31,13
